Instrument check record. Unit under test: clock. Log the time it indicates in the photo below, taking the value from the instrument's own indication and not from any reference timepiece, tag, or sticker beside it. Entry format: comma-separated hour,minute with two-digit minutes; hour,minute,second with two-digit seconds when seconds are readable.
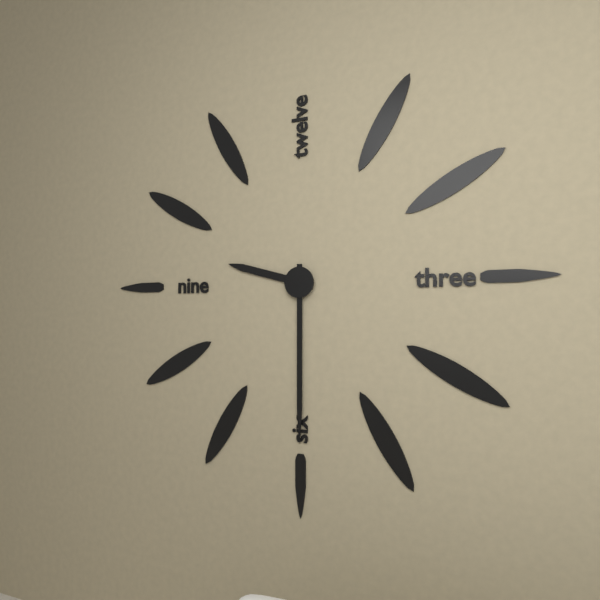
9,30
